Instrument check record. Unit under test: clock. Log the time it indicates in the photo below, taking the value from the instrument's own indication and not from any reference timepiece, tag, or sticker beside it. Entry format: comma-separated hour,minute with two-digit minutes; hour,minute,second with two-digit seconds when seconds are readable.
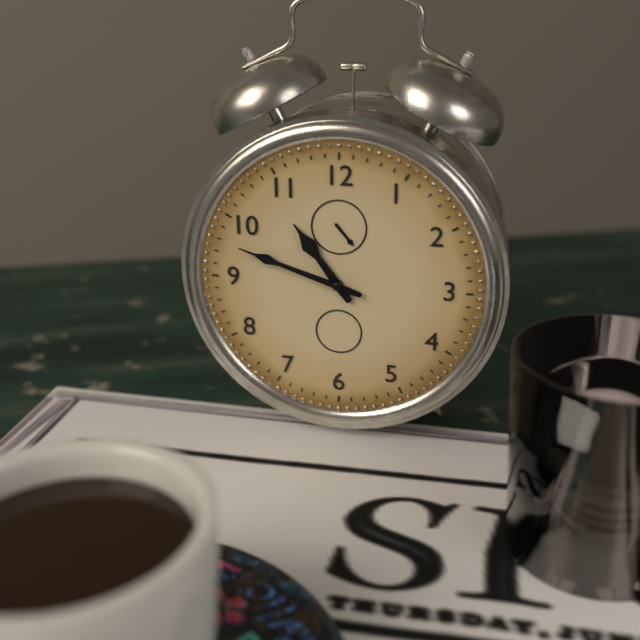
10,48
